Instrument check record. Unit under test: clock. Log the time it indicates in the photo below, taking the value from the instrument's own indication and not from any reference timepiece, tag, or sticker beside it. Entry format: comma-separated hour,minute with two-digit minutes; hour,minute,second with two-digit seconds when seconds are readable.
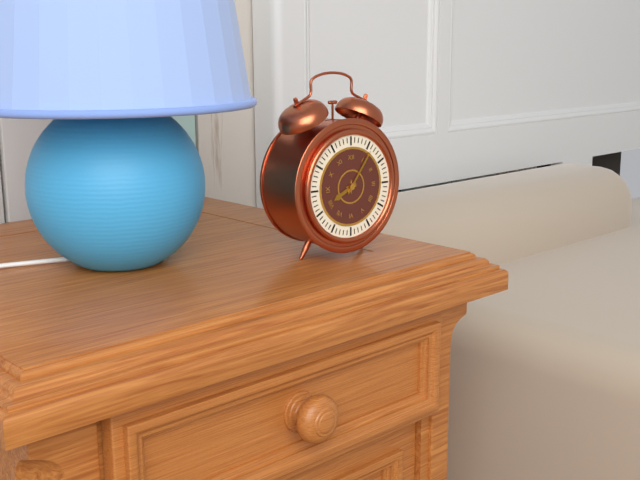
8,06
